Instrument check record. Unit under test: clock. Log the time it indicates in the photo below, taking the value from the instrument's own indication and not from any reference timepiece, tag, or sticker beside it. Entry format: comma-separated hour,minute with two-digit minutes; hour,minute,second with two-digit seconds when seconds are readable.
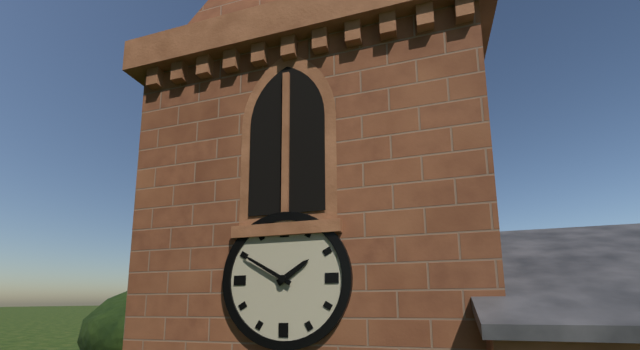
1,50
